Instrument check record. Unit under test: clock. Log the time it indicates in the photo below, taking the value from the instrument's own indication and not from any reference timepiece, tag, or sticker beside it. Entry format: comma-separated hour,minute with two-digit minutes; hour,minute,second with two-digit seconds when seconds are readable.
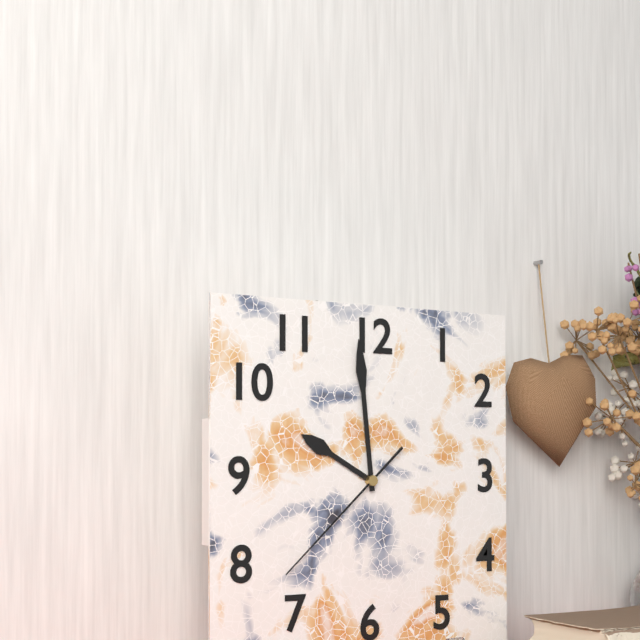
9,59,38
